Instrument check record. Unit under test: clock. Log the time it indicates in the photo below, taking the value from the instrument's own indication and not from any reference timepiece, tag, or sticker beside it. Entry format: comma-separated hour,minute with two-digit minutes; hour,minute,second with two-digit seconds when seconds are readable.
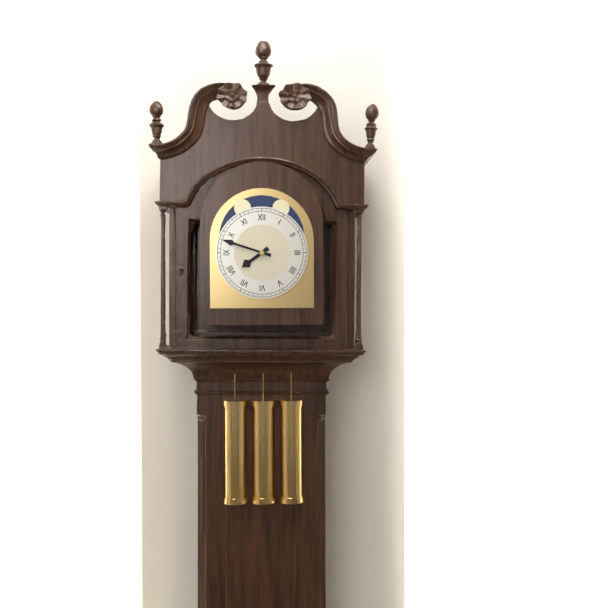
7,48
